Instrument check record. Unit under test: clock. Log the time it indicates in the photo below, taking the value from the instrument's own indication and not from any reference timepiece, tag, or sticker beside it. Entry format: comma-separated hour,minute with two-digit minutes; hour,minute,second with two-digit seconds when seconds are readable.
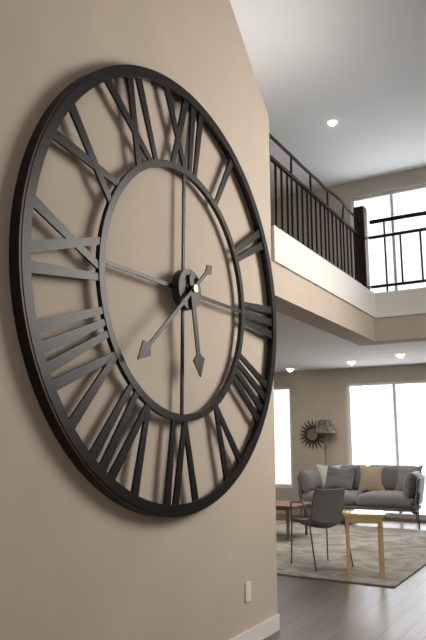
5,38
